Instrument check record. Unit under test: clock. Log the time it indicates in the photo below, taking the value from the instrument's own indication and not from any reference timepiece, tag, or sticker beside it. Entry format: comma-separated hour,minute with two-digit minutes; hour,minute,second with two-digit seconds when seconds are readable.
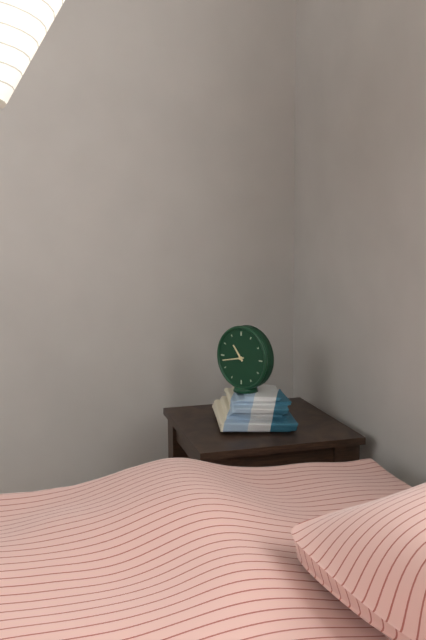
10,43
